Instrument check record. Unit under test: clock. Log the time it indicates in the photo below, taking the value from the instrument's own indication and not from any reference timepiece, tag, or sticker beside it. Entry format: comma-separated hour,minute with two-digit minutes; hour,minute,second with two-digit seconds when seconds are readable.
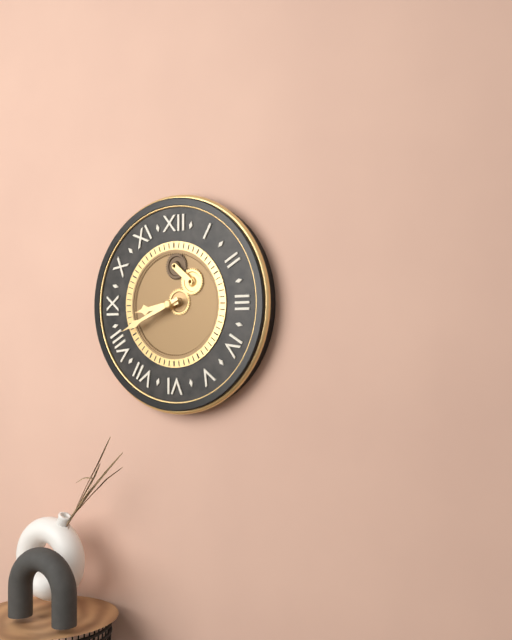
8,41
